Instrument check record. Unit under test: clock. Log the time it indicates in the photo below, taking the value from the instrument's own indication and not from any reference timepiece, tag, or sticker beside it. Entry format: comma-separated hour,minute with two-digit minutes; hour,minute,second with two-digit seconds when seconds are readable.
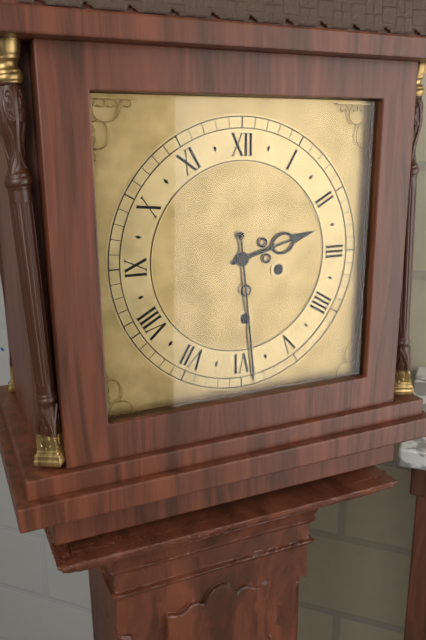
2,29
